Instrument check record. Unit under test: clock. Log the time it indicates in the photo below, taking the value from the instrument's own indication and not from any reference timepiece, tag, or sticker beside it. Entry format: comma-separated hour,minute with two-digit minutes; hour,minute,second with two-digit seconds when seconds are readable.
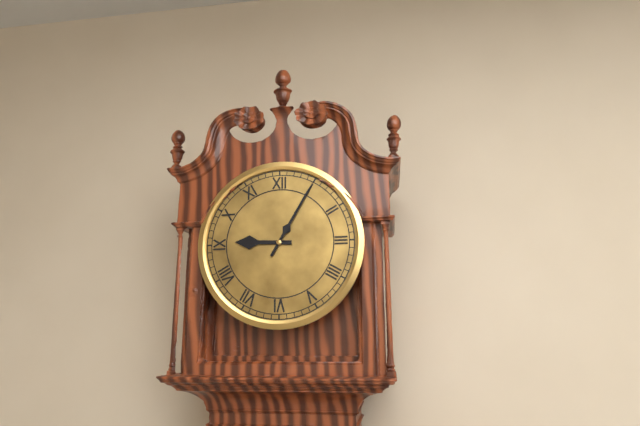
9,05
